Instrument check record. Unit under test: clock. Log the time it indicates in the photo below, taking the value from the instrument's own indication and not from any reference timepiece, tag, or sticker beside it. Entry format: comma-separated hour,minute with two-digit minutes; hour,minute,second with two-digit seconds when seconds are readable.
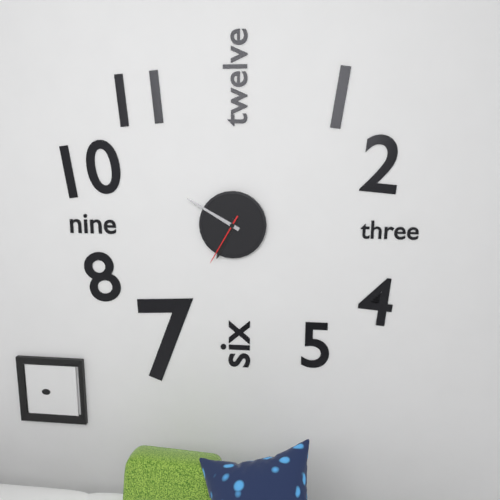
6,50,35
